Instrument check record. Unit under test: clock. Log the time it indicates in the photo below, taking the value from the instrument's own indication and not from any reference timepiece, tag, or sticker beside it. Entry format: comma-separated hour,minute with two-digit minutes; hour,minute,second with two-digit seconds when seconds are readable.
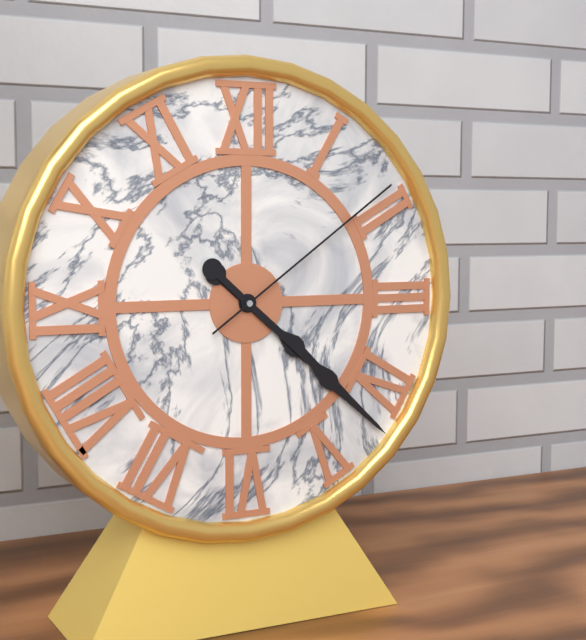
4,22,09
